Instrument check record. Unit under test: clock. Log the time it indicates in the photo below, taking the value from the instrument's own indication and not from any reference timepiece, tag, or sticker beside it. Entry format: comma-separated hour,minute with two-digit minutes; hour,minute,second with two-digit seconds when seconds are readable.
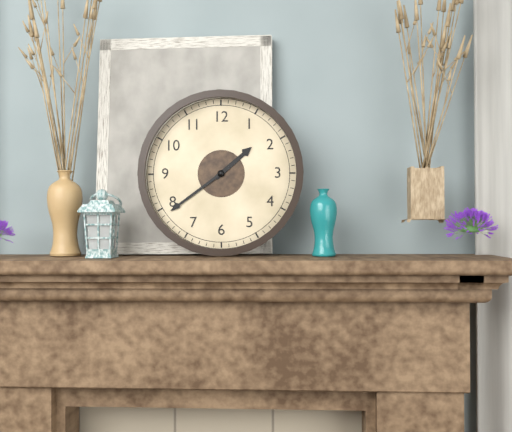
1,39
